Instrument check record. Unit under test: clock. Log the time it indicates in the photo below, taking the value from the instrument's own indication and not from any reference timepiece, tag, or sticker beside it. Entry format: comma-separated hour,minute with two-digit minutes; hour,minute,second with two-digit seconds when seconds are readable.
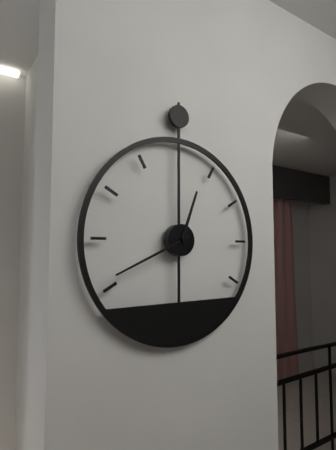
12,41
